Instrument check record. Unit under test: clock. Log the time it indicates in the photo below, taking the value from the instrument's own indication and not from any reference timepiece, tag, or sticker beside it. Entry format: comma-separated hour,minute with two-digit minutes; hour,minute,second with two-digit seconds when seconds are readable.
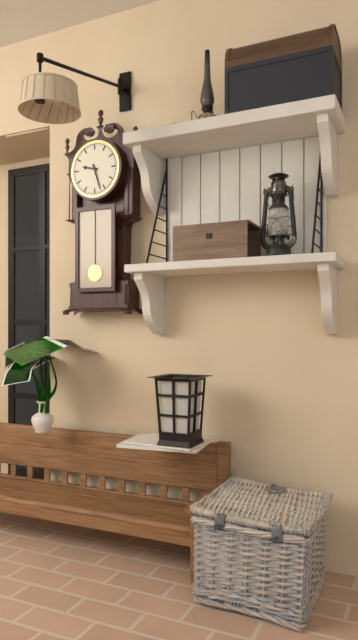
9,27
